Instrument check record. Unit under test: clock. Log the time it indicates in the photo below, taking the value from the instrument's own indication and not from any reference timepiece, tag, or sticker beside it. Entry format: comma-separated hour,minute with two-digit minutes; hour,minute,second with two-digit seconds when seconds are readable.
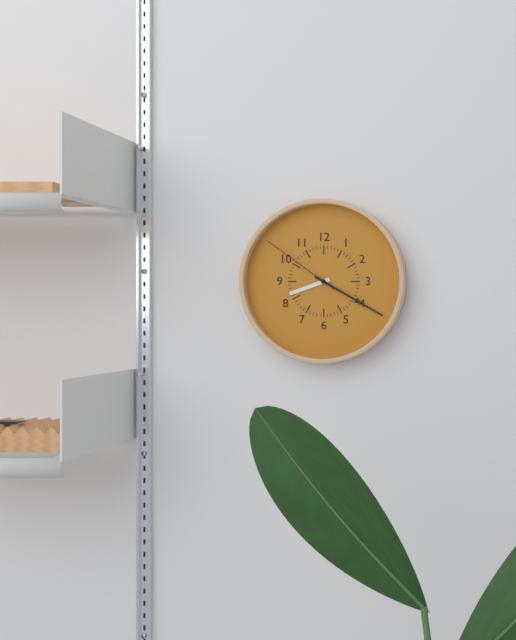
8,20,51
